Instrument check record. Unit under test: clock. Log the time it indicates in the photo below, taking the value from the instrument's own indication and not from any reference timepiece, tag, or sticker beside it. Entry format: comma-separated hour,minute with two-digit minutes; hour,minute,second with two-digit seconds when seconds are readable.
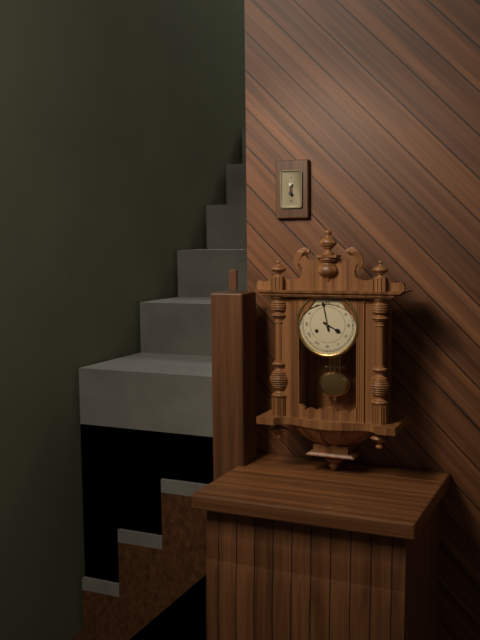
3,58
